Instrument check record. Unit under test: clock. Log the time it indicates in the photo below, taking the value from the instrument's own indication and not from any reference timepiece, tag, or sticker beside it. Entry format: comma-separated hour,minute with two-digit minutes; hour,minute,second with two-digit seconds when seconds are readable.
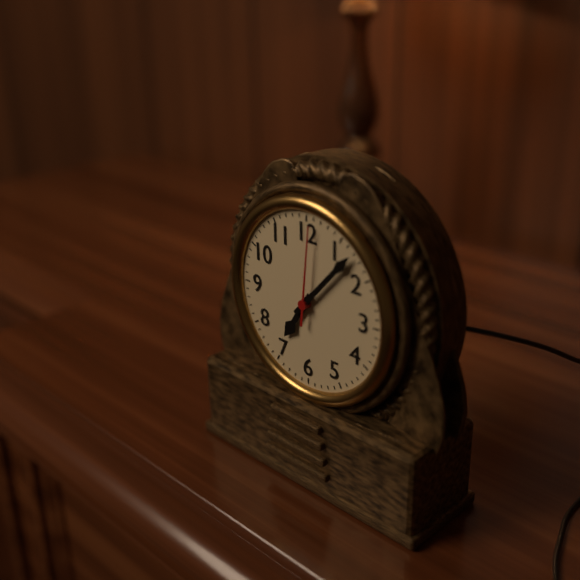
7,07,01
